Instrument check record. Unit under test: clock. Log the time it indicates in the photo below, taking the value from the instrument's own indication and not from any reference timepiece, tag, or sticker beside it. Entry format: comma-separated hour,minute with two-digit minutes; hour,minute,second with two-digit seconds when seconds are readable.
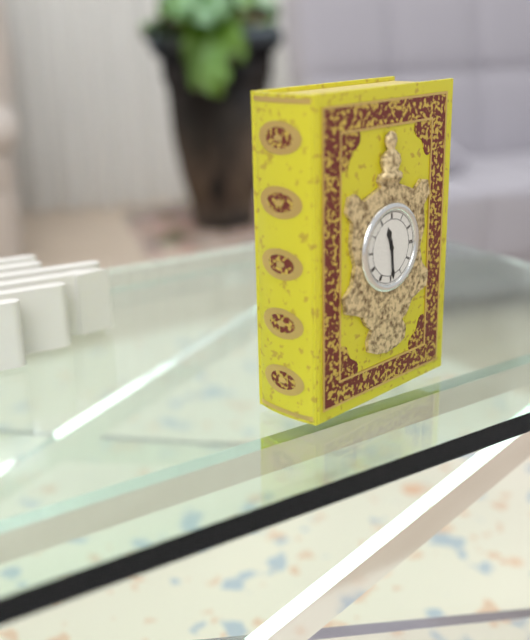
11,29
